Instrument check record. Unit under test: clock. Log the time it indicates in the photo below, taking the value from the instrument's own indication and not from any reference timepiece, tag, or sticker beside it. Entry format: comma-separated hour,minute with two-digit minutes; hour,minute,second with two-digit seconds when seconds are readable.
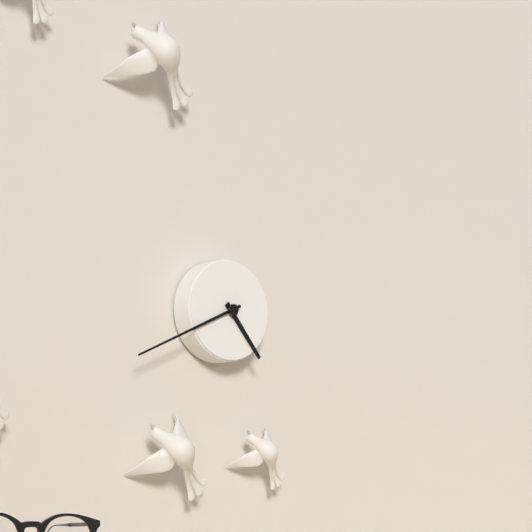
4,41
